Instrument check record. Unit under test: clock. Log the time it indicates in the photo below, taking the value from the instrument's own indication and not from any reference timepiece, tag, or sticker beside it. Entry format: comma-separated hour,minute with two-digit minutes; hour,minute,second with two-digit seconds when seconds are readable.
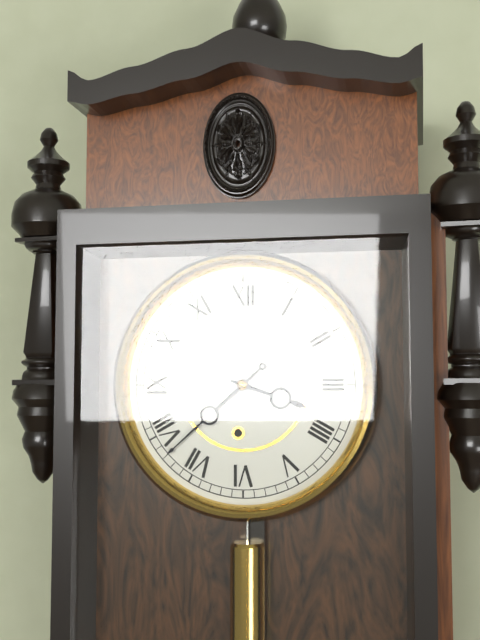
3,38
